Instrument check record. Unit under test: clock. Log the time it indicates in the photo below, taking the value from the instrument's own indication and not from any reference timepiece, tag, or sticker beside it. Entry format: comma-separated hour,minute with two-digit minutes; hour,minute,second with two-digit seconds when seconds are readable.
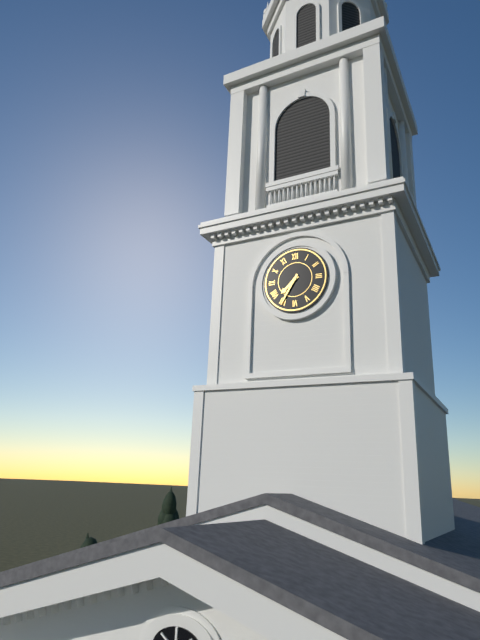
7,35
